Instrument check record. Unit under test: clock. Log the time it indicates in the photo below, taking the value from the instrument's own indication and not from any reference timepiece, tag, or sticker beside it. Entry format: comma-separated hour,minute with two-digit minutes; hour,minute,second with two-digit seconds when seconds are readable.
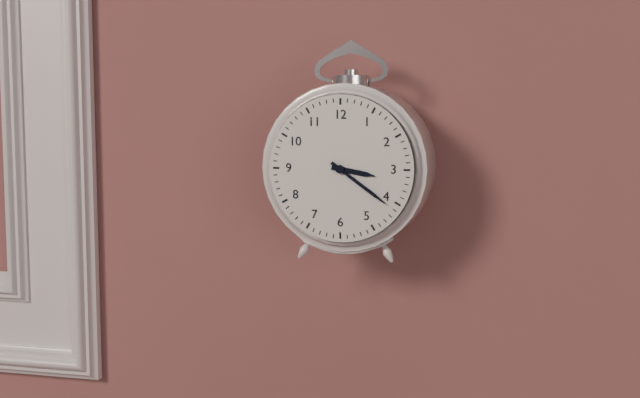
3,21
